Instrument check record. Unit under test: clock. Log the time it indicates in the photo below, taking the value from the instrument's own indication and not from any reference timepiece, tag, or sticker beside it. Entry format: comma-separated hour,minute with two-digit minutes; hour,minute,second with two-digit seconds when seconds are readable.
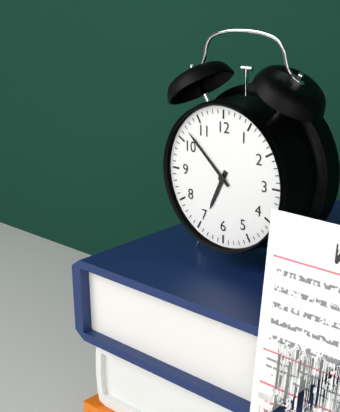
6,52
